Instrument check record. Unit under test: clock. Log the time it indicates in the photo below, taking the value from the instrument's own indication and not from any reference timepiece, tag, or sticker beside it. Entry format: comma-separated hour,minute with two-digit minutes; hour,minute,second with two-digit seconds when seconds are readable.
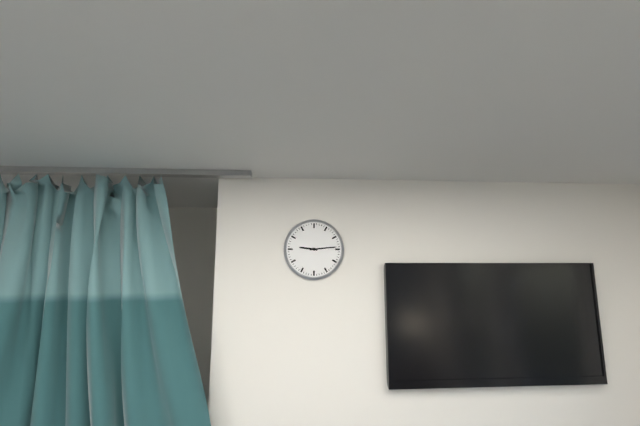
9,14
